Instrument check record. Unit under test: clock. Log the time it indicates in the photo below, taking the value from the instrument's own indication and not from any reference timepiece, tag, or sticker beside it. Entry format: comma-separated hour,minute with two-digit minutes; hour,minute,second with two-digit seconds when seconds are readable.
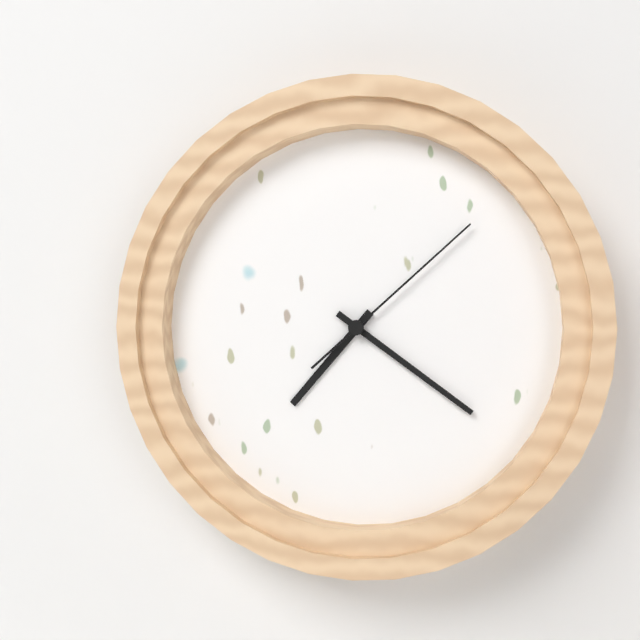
7,21,08
